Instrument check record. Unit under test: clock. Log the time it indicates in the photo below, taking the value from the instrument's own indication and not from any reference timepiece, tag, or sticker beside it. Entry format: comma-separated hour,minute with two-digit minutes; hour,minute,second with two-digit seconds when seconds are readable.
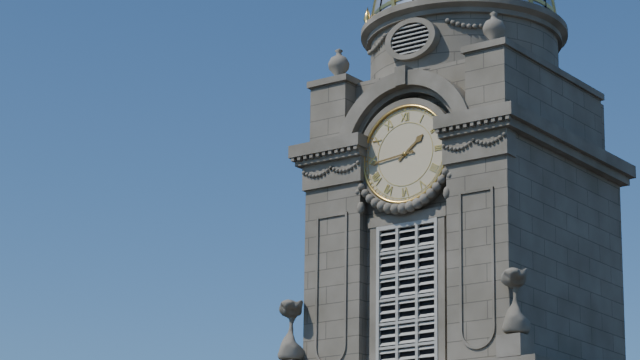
1,44
